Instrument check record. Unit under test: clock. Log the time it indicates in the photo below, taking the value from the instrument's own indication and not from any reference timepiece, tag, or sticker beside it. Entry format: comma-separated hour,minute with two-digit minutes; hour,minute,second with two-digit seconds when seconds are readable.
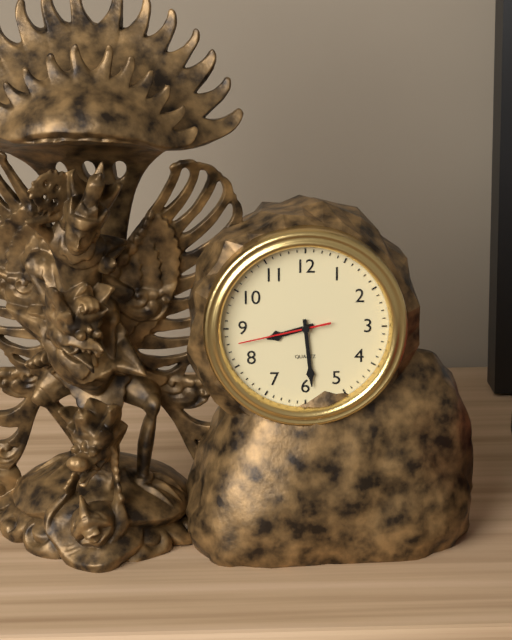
8,29,43
